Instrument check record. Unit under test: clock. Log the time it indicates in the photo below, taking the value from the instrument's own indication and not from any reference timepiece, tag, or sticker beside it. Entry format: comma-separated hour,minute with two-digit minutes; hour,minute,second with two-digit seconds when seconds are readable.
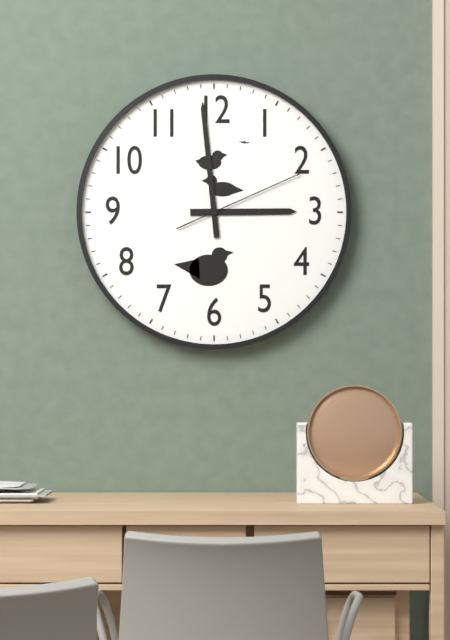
2,59,11
